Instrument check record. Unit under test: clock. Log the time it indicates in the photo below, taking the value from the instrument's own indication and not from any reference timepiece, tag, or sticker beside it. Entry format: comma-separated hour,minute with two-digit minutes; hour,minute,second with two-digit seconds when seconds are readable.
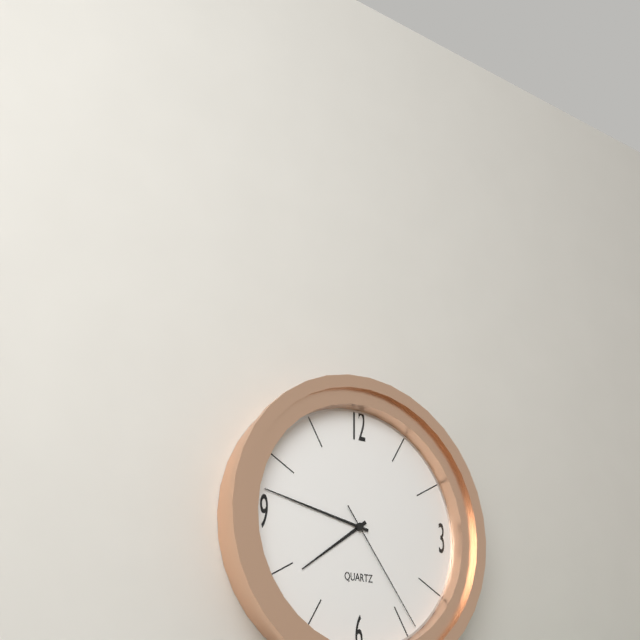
7,47,24
